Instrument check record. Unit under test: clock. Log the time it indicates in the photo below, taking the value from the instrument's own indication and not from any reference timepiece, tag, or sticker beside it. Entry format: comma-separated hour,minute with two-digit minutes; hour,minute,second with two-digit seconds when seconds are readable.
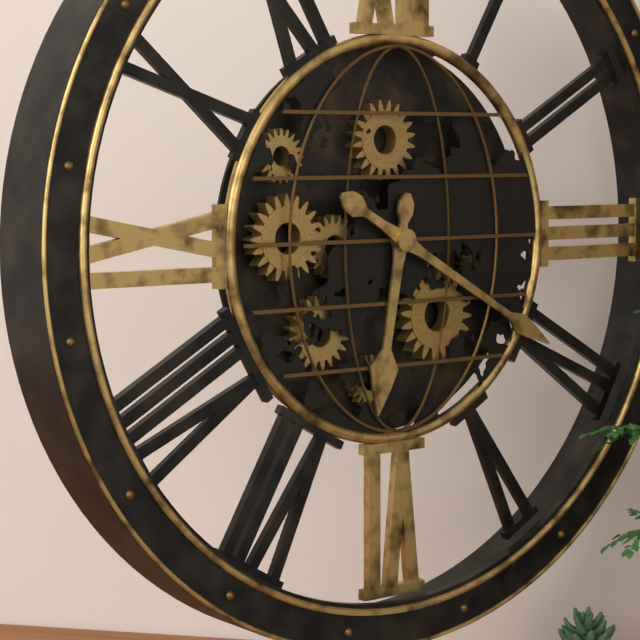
6,20
